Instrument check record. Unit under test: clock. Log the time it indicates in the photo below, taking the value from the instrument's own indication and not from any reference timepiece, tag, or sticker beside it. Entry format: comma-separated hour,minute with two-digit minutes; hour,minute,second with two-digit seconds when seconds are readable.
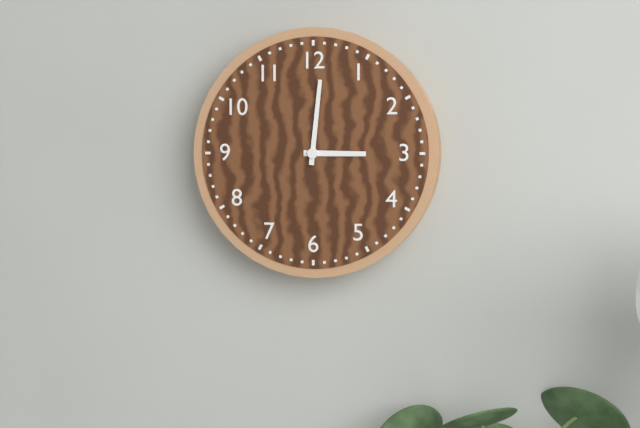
3,01
